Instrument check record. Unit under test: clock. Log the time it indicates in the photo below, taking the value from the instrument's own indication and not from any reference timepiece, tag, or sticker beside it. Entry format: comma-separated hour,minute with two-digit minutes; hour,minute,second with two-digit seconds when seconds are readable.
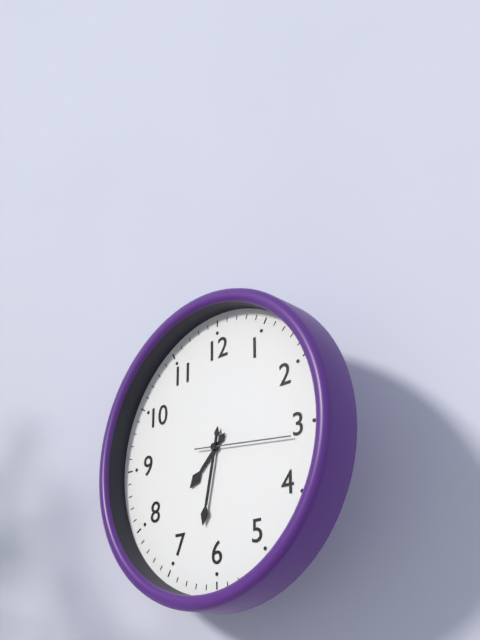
7,32,16
